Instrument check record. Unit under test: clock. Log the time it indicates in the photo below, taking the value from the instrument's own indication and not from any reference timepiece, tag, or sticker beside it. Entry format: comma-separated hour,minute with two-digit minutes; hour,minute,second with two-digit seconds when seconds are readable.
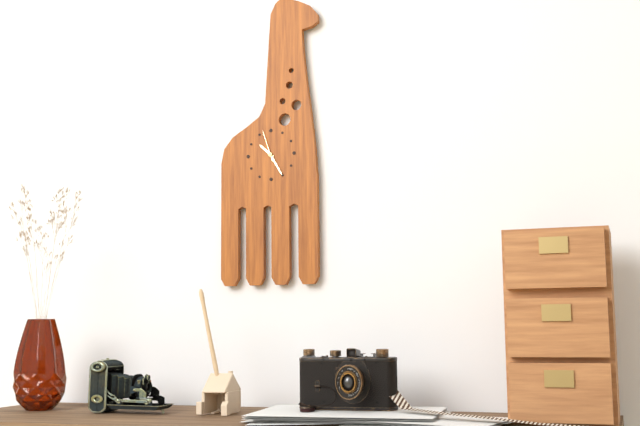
10,25
